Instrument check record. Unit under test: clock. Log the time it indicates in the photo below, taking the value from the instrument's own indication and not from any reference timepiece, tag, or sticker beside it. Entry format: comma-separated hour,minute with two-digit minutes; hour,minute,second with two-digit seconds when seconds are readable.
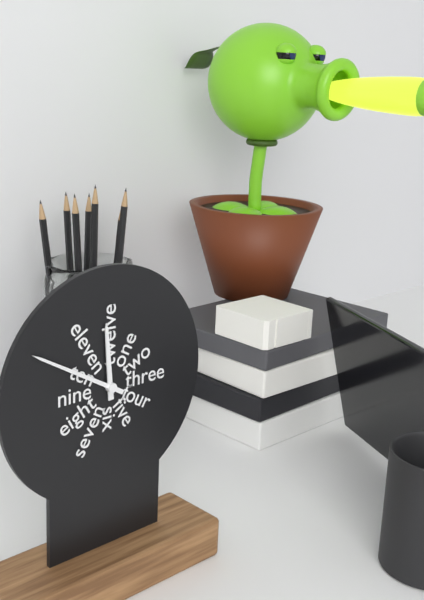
11,50
